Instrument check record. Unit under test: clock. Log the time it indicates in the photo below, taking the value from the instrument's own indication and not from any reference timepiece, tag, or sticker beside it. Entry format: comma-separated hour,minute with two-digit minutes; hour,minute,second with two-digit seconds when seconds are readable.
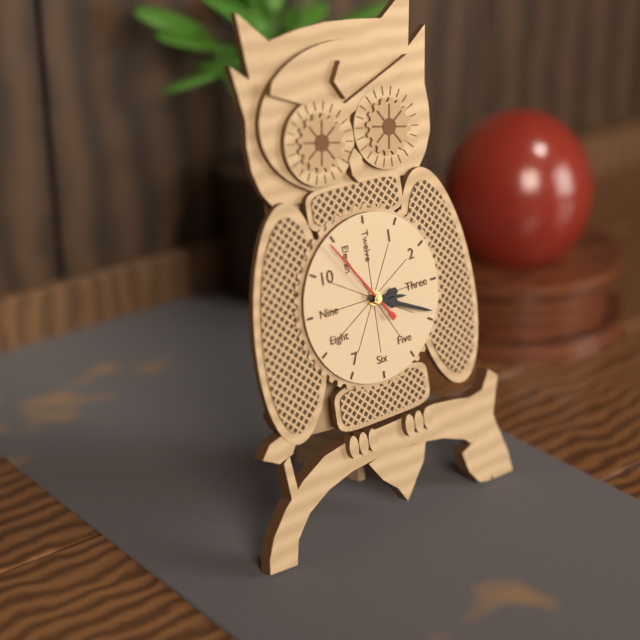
3,19,54
